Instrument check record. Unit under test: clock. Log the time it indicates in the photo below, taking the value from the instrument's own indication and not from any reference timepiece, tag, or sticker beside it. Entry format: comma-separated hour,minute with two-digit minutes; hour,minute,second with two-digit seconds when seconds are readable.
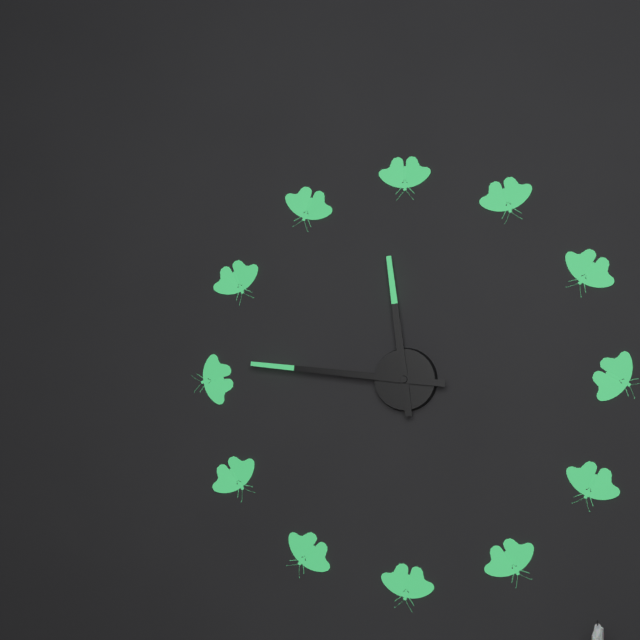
11,46
